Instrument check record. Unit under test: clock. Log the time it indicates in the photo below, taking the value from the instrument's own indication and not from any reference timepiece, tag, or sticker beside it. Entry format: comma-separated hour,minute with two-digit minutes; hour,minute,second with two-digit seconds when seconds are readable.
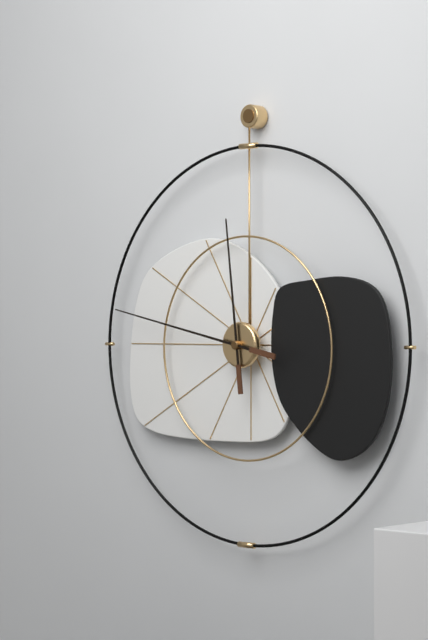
11,47
